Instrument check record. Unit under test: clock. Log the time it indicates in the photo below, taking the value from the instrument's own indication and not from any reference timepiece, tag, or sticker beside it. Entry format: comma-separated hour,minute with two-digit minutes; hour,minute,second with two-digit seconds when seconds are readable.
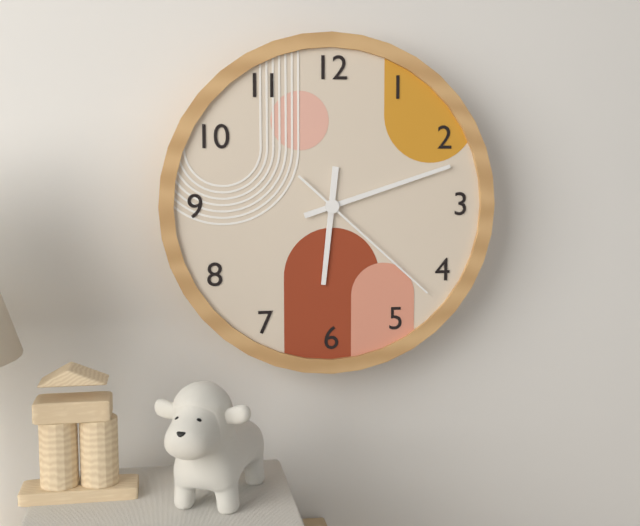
6,12,22
